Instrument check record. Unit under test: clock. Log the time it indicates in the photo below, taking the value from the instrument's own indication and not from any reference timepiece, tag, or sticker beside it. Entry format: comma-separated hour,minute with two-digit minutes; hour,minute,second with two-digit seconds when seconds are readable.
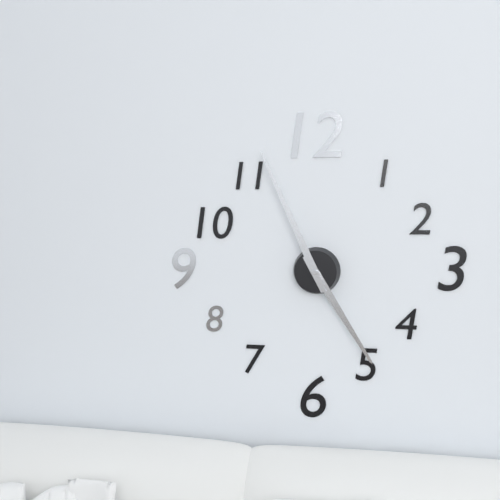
4,56
